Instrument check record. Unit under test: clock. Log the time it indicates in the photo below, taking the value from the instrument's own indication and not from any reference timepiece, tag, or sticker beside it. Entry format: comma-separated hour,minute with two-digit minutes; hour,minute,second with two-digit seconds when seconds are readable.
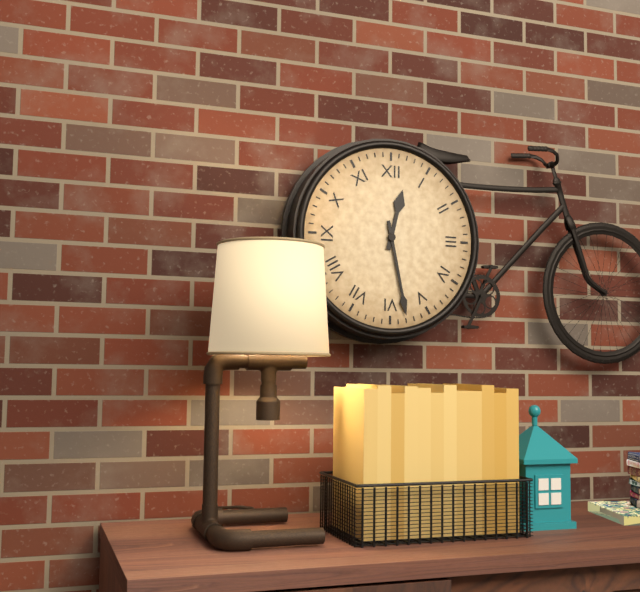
12,28
